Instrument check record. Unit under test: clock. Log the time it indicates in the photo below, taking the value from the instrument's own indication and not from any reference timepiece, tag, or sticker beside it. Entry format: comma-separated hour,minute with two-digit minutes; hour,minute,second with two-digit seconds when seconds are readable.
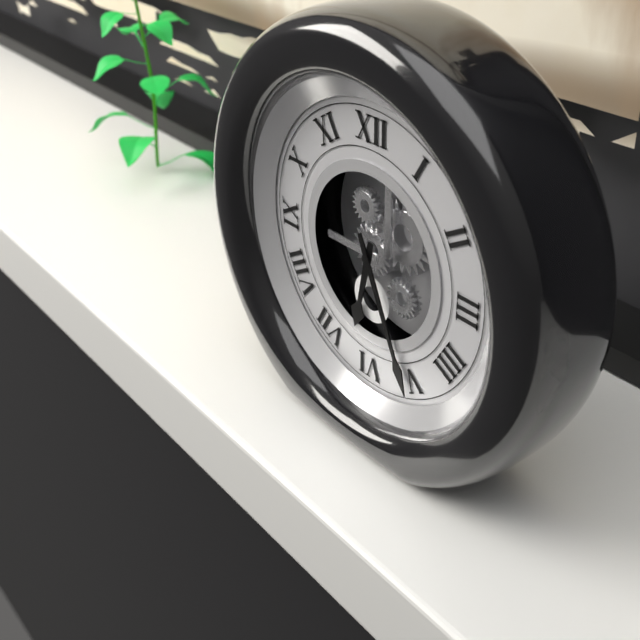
6,26
